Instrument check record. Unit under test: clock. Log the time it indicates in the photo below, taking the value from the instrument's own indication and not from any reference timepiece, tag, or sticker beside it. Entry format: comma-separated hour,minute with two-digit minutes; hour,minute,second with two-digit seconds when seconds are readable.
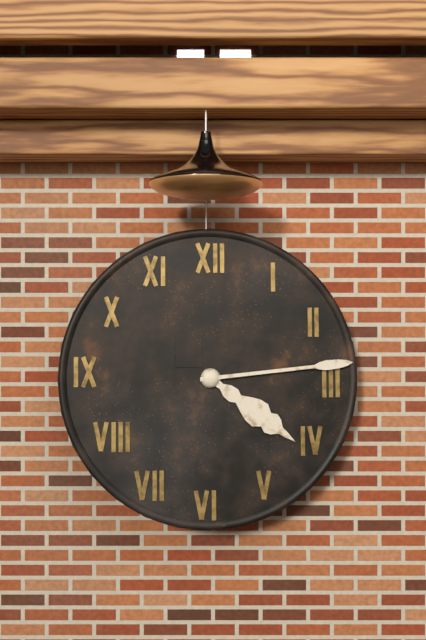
4,14
